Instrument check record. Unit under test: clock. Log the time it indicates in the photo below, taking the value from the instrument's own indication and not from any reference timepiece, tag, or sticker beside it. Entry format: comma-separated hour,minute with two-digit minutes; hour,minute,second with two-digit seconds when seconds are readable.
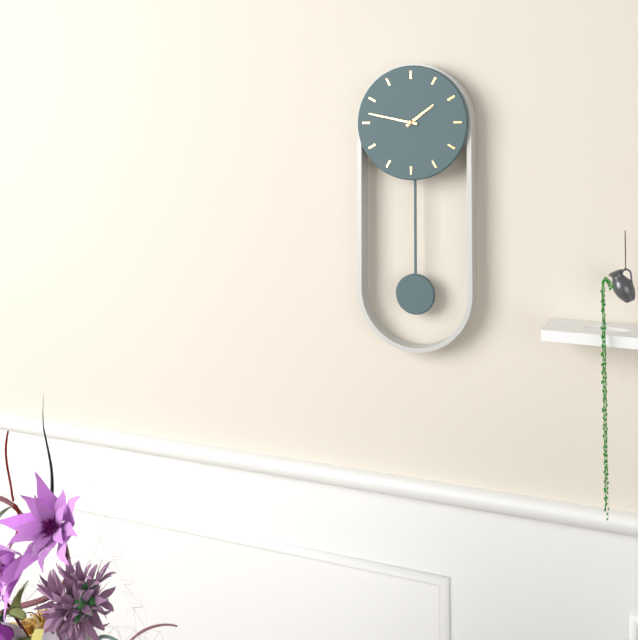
1,47
